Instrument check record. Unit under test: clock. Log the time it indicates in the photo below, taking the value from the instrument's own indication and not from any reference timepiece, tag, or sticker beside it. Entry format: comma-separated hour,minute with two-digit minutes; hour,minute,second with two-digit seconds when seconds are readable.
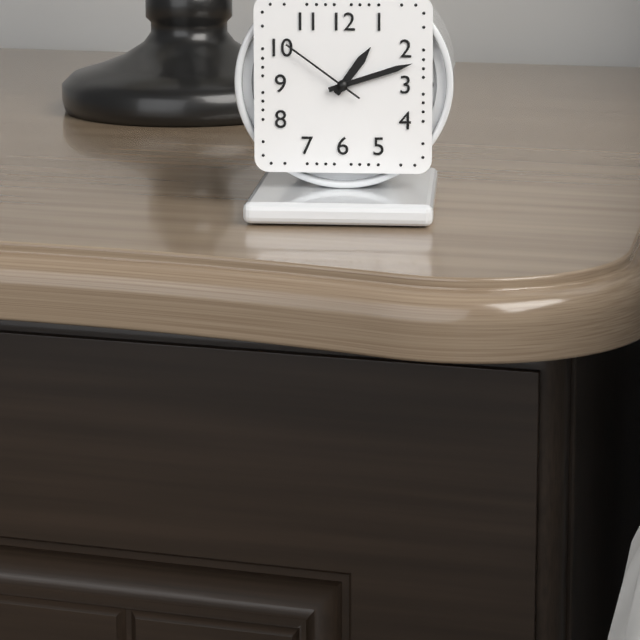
1,12,51
